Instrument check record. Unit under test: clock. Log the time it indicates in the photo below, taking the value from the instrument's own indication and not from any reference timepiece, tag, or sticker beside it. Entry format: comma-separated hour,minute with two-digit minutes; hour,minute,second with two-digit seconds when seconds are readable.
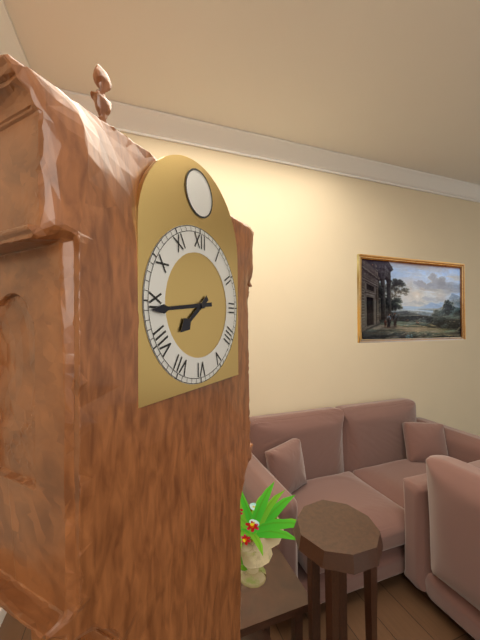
7,44
